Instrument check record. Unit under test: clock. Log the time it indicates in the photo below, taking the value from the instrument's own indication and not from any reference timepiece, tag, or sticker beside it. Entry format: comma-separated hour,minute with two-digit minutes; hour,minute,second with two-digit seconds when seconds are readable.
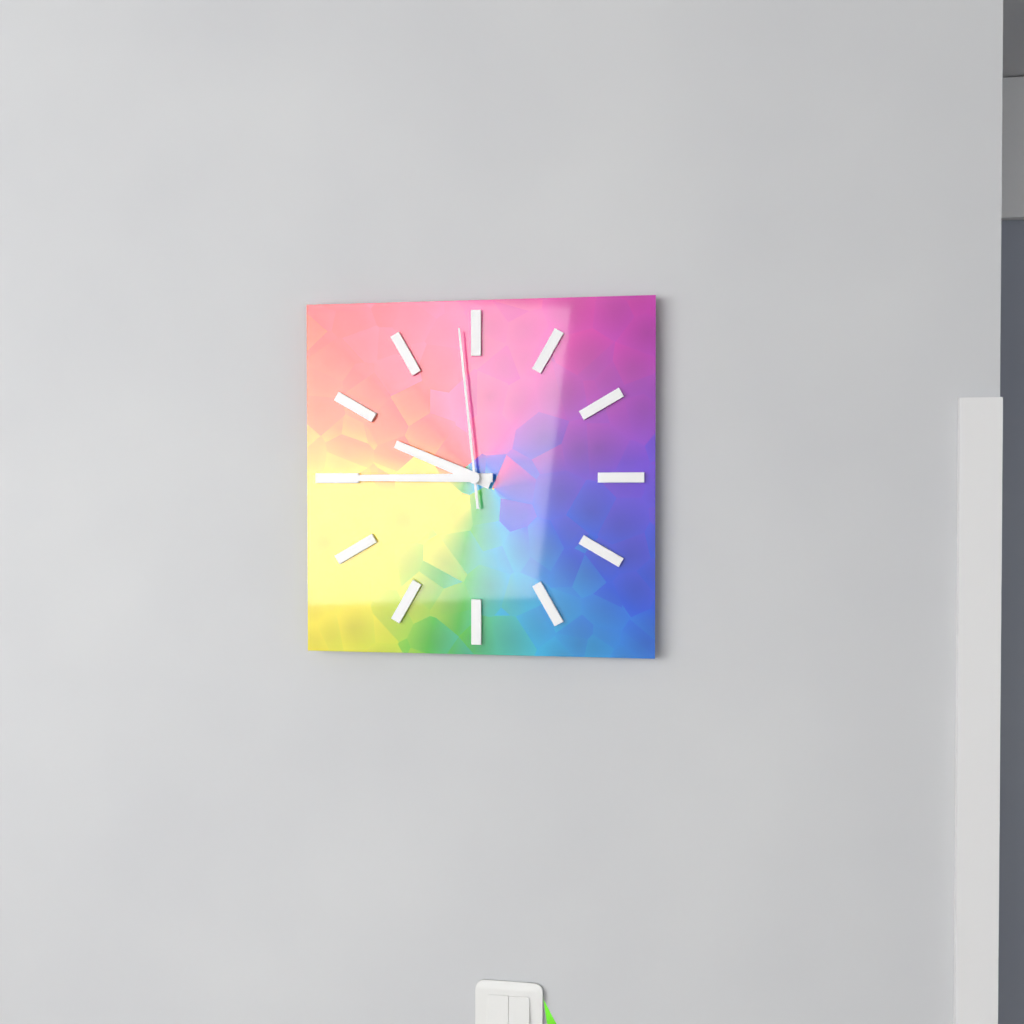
9,45,59
